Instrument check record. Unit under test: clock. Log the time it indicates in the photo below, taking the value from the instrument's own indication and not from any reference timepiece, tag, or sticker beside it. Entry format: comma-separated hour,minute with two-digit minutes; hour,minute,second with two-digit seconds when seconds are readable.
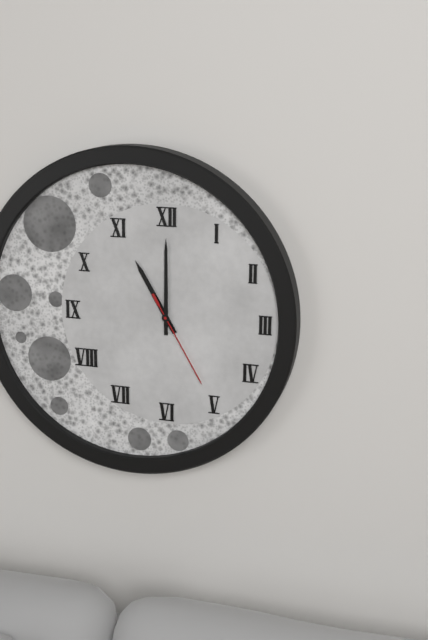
11,00,25
